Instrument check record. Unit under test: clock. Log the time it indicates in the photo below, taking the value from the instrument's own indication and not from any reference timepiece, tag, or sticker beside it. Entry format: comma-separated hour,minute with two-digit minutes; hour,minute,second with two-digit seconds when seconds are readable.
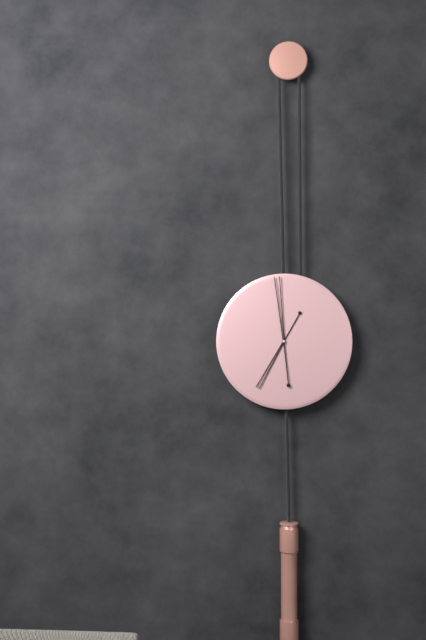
6,59
